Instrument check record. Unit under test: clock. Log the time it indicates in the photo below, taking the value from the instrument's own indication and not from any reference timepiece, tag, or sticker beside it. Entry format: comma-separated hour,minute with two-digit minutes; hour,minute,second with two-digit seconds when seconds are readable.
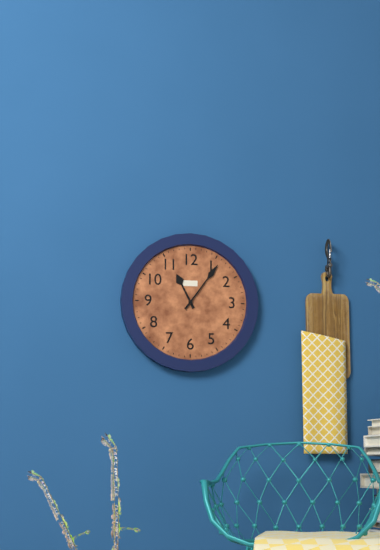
11,06
